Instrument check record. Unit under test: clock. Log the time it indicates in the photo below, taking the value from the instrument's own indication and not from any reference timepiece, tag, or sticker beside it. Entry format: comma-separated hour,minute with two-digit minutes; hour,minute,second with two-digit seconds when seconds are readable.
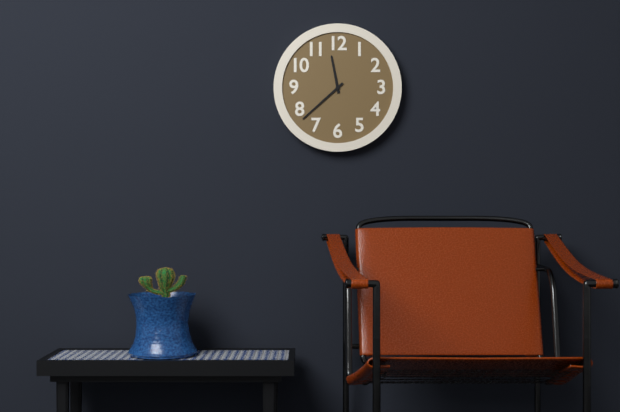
11,38
